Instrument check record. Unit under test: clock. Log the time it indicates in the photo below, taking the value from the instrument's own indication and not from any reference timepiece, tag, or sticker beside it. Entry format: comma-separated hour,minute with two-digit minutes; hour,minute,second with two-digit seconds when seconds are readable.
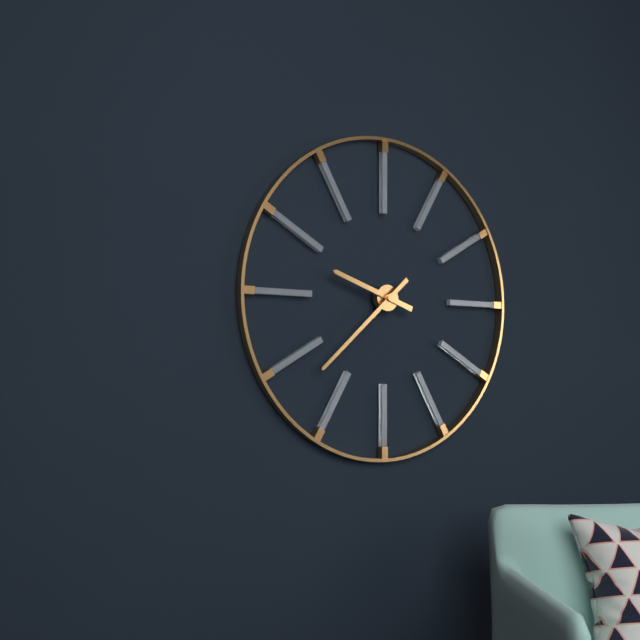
9,38
